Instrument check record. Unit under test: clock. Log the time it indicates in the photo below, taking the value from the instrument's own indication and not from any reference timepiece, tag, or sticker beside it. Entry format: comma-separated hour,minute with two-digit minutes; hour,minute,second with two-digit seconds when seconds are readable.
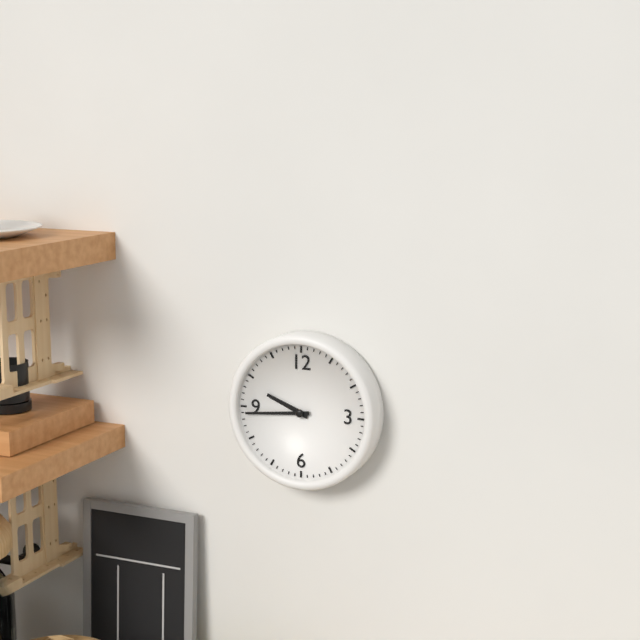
9,44
